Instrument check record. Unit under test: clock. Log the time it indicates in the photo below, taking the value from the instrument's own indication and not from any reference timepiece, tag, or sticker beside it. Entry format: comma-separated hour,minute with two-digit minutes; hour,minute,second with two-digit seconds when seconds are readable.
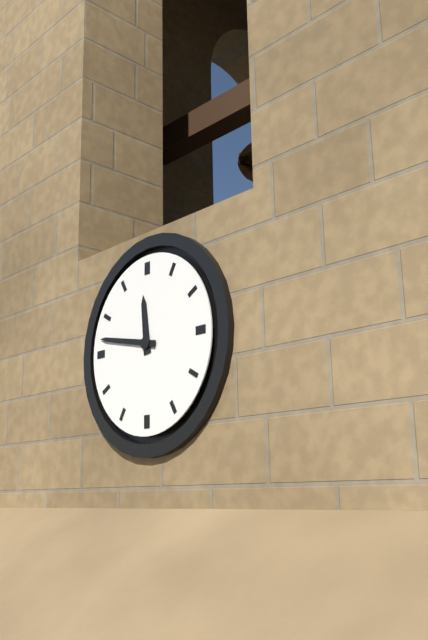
11,47
